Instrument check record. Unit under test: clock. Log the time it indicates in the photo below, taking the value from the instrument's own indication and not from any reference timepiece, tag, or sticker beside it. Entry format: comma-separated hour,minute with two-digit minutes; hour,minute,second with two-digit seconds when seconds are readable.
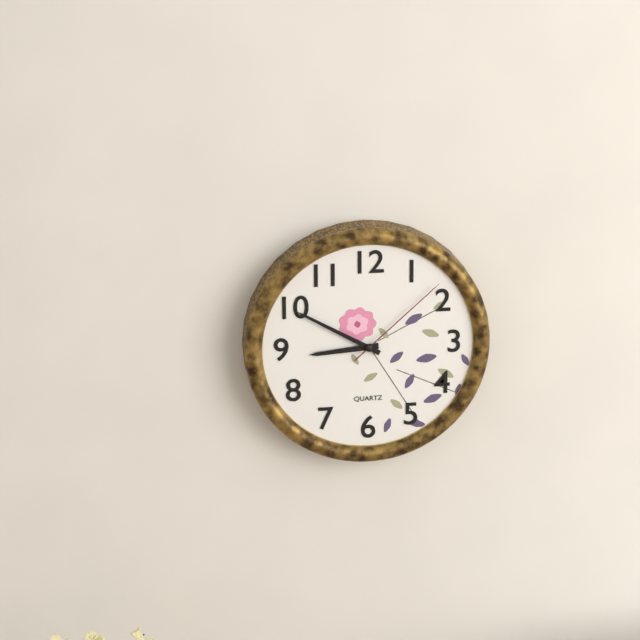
8,50,08
